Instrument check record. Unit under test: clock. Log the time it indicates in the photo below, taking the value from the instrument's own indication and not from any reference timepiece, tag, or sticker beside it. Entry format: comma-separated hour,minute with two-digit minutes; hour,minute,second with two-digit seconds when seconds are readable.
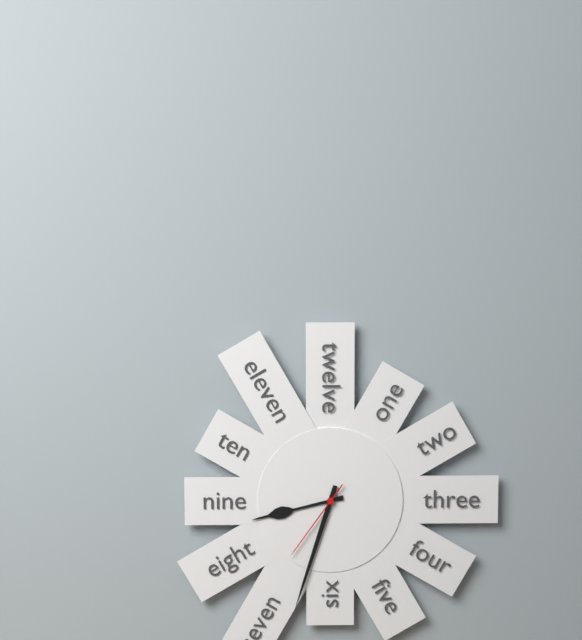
8,33,36
